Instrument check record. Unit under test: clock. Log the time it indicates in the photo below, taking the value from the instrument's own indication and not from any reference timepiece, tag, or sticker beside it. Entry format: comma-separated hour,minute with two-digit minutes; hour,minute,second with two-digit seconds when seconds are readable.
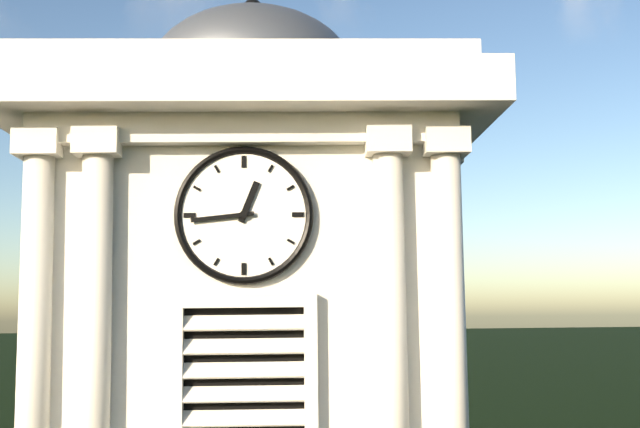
12,44
